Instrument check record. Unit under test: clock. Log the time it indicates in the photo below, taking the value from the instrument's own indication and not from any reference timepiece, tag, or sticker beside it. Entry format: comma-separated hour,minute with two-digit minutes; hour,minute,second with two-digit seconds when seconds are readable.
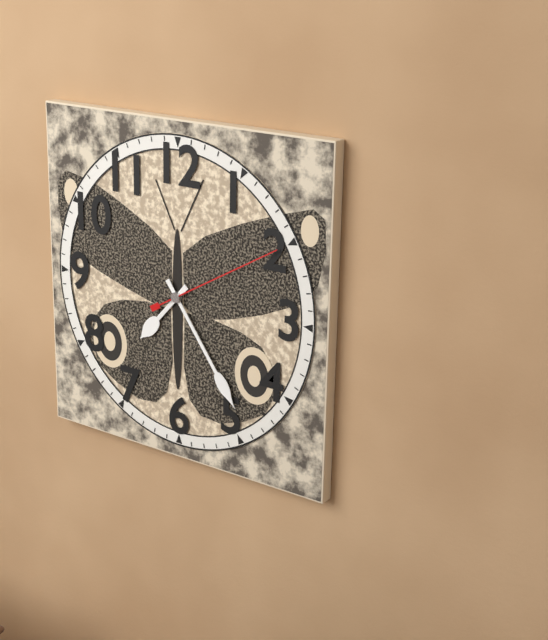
7,24,10
